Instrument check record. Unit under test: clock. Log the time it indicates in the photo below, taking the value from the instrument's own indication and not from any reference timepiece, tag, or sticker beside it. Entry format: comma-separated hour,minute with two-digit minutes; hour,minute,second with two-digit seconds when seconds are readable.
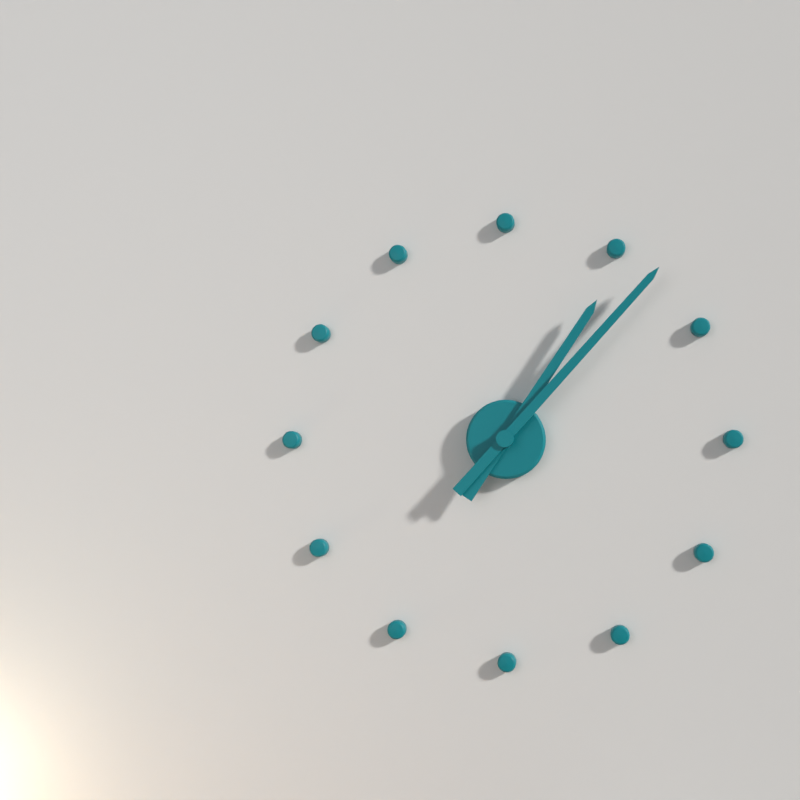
1,07
